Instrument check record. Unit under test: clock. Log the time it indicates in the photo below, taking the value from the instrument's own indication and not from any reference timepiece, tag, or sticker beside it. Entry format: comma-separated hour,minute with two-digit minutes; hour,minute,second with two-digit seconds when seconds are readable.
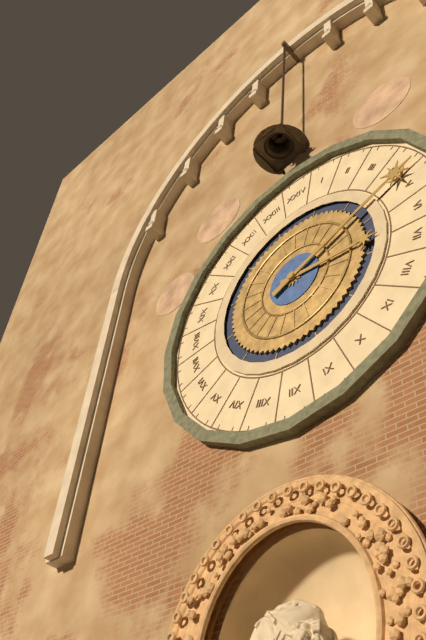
3,11
